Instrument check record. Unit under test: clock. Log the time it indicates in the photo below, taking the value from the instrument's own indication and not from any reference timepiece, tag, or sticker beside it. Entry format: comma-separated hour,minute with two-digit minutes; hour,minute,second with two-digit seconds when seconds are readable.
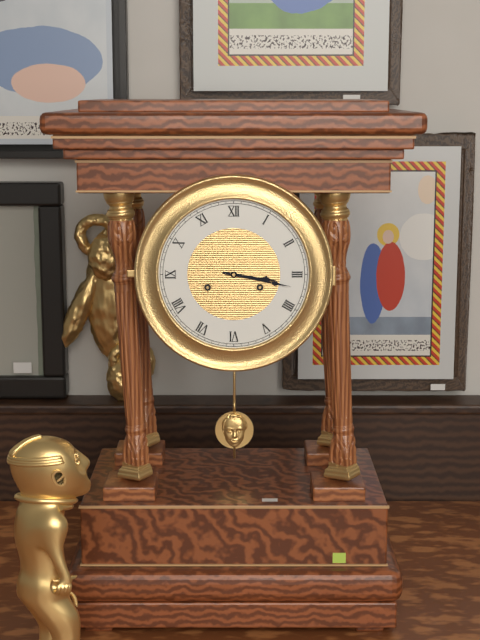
3,17
